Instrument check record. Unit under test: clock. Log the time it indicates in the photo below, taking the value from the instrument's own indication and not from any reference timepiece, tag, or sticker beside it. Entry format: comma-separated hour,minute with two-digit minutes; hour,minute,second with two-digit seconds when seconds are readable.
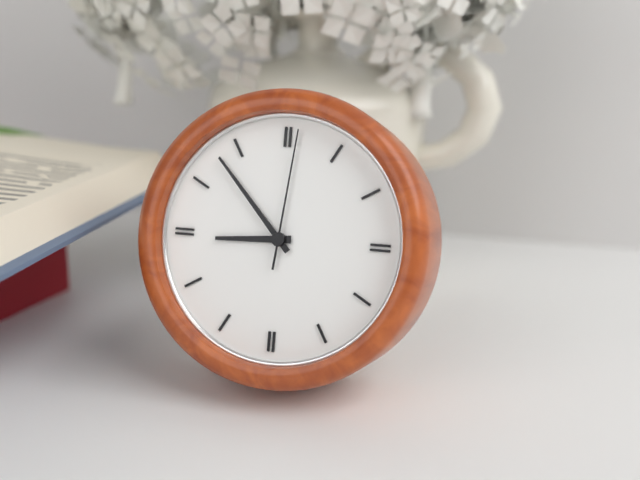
8,53,01
